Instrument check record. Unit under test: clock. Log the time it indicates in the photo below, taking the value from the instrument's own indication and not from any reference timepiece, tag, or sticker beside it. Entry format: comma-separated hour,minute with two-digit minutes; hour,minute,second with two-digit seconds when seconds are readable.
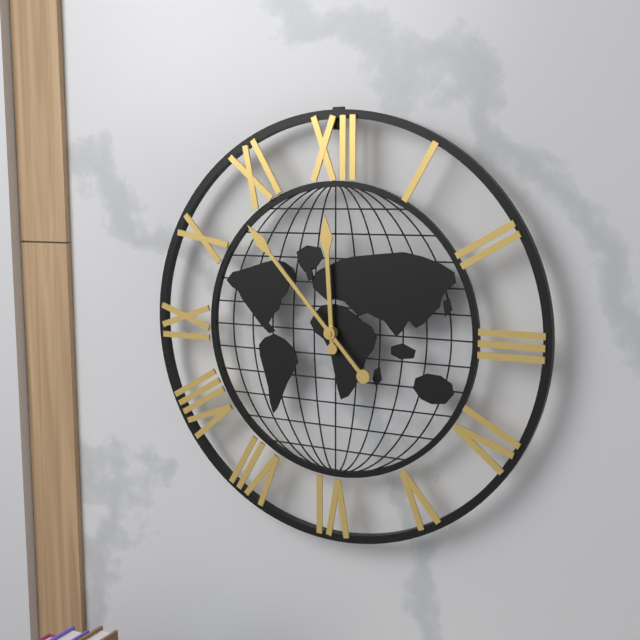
11,53
